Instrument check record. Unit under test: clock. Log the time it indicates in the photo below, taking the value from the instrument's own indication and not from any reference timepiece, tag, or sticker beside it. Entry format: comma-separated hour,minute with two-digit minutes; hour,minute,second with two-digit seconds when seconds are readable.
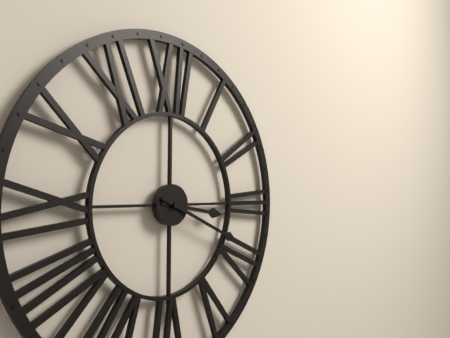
3,19
